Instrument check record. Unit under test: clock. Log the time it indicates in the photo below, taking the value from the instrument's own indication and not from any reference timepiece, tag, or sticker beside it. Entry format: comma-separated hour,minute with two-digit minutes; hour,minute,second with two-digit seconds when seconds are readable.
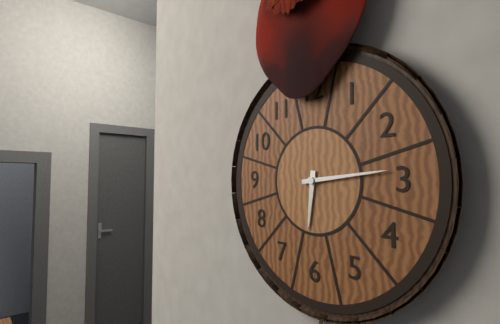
6,14
